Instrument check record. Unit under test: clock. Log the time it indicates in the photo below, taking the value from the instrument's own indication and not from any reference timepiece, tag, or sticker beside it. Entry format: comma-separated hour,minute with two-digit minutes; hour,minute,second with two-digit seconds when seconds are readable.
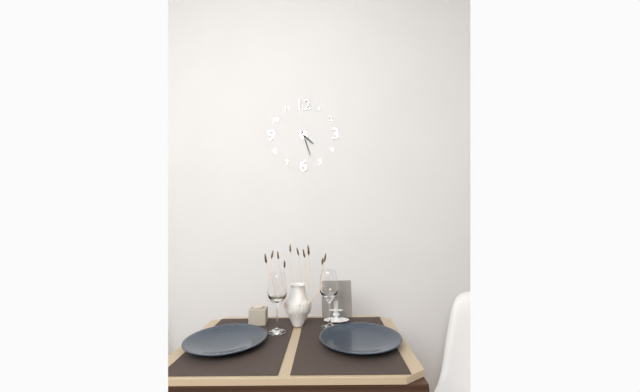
4,27
